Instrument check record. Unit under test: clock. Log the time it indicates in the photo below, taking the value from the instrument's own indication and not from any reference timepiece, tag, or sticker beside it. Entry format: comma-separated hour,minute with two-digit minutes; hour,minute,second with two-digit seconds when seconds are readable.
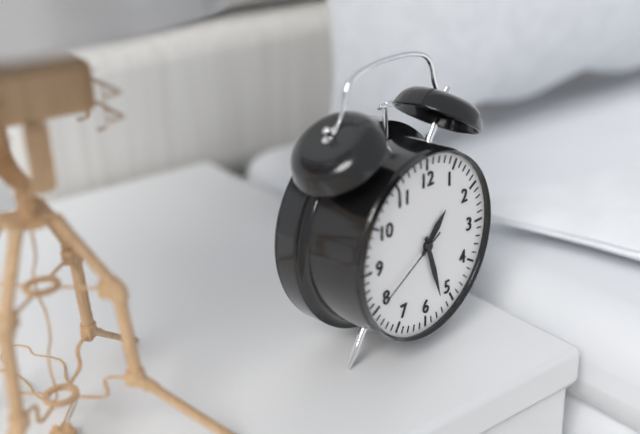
1,27,40
